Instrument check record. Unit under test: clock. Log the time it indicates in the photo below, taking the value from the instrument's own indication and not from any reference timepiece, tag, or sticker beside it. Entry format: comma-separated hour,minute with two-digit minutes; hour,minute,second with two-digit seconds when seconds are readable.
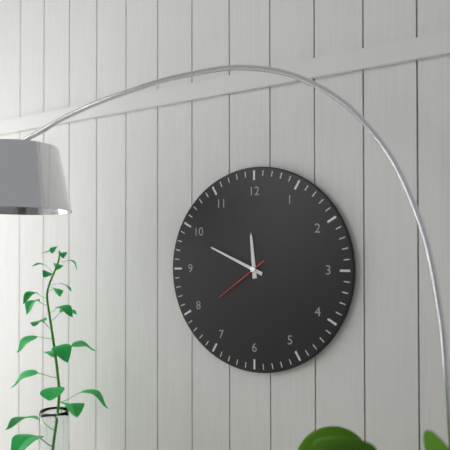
11,49,39
